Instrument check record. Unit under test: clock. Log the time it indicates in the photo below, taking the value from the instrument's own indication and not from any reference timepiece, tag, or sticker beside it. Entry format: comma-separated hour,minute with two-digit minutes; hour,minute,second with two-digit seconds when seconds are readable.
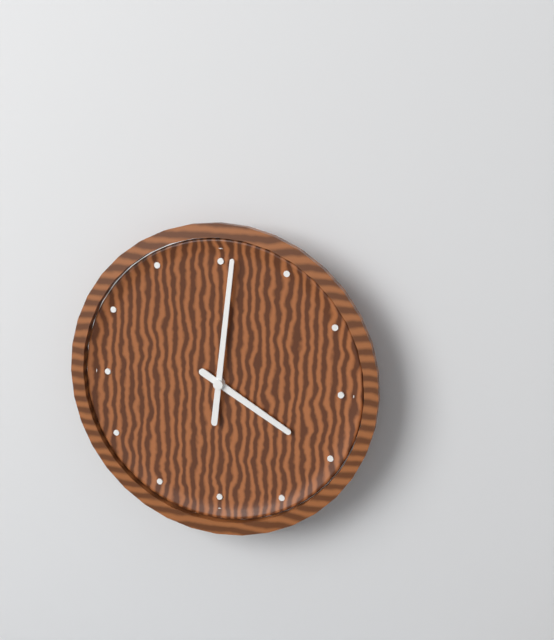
4,01
